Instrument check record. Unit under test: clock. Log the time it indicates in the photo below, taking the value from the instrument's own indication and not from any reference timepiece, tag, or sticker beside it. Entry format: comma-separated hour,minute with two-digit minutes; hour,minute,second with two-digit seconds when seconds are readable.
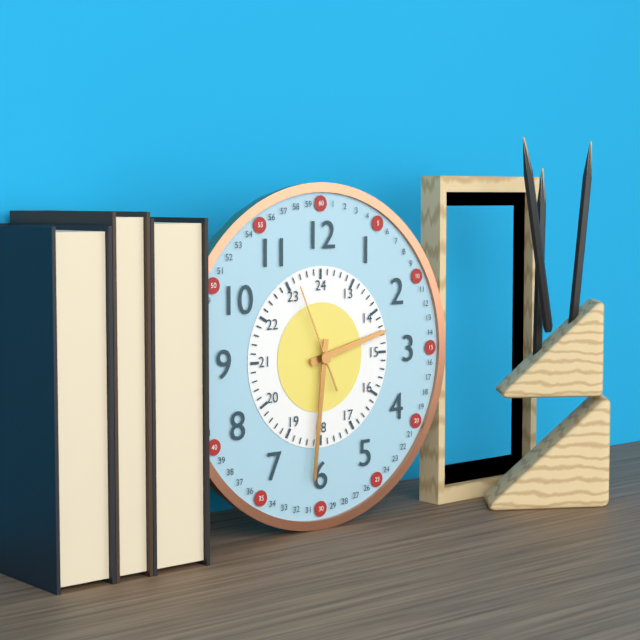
2,31,56
